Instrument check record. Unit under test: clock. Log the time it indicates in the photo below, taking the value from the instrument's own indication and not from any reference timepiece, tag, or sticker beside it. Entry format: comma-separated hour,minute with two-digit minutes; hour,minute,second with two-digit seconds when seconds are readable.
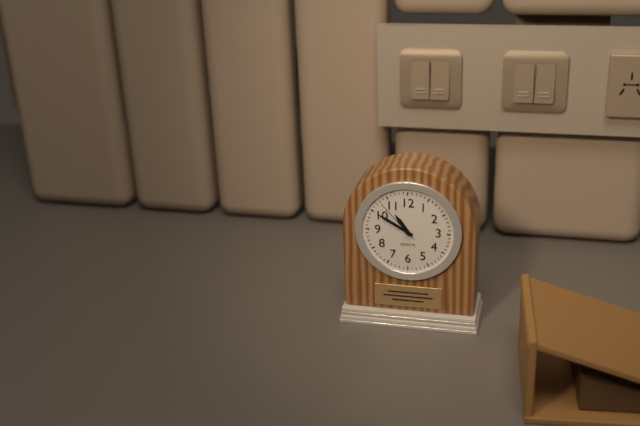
10,50
